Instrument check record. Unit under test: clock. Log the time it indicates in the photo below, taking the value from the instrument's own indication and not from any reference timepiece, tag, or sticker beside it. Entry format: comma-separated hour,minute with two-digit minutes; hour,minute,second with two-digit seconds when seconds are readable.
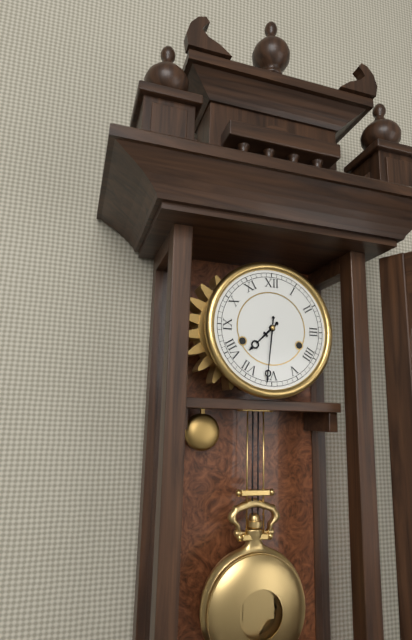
7,31
